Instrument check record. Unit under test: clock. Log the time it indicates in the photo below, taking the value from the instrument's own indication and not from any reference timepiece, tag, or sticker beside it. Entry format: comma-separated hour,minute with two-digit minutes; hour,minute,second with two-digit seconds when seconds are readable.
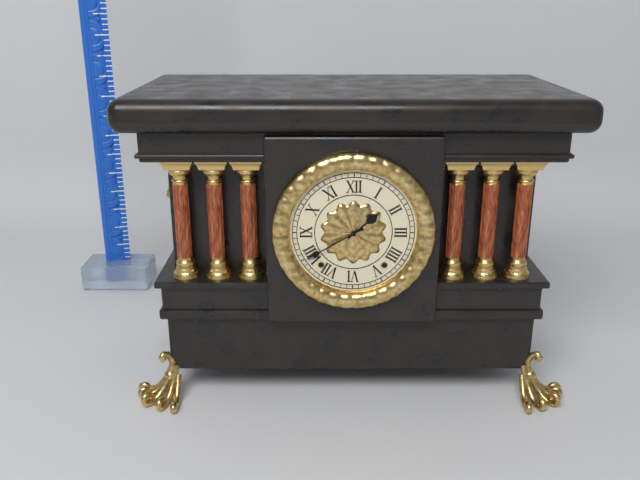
1,40
